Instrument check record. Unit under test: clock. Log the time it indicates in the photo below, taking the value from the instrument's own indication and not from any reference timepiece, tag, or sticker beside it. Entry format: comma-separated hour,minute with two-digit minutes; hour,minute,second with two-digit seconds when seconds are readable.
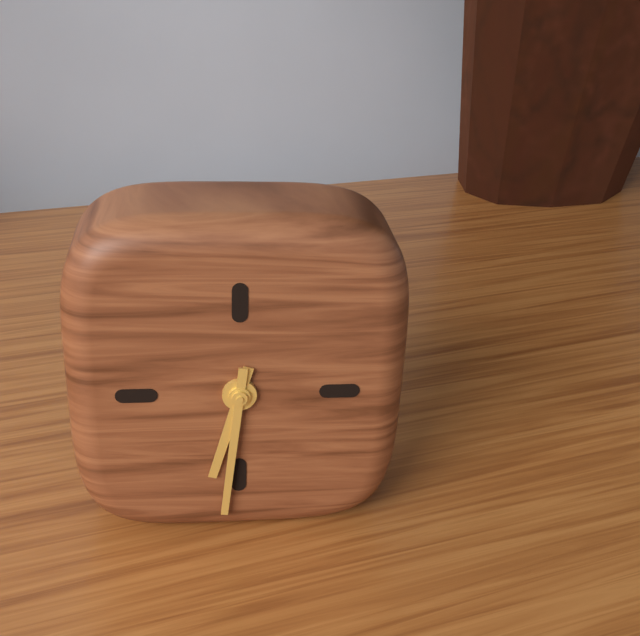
6,31
